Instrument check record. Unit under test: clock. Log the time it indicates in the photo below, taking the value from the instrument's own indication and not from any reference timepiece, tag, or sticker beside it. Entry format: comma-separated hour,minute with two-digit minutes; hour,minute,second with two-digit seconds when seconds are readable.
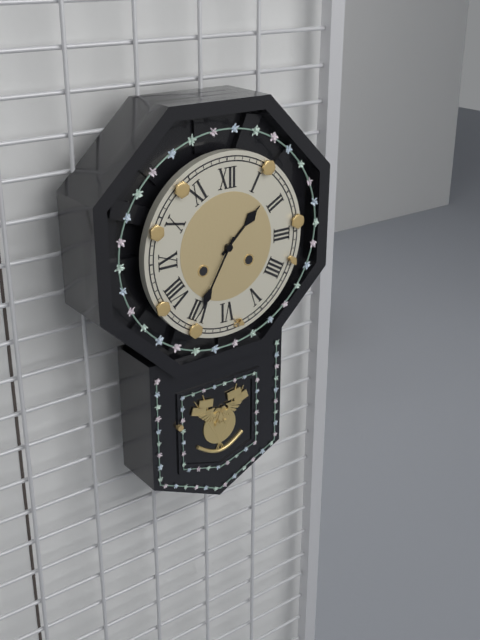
1,35
